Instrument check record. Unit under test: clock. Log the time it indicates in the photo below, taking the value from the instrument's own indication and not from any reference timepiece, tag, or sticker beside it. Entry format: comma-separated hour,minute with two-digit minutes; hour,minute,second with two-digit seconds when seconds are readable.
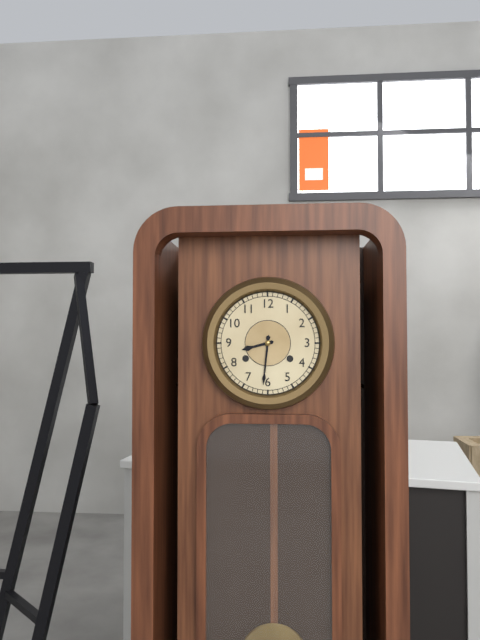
8,31
